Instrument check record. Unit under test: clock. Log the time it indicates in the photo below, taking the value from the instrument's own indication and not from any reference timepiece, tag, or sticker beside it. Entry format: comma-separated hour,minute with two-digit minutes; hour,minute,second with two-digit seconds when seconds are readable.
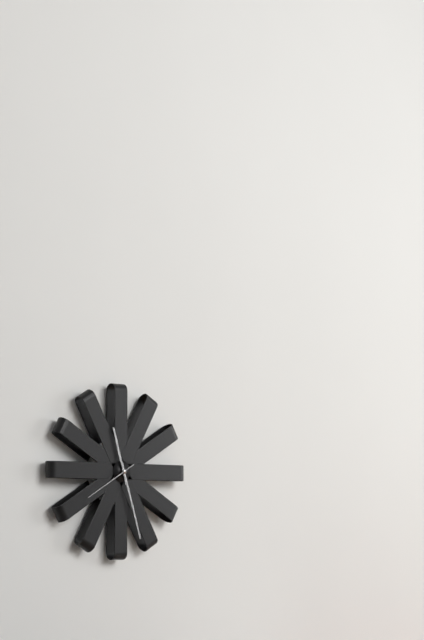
11,27,40
